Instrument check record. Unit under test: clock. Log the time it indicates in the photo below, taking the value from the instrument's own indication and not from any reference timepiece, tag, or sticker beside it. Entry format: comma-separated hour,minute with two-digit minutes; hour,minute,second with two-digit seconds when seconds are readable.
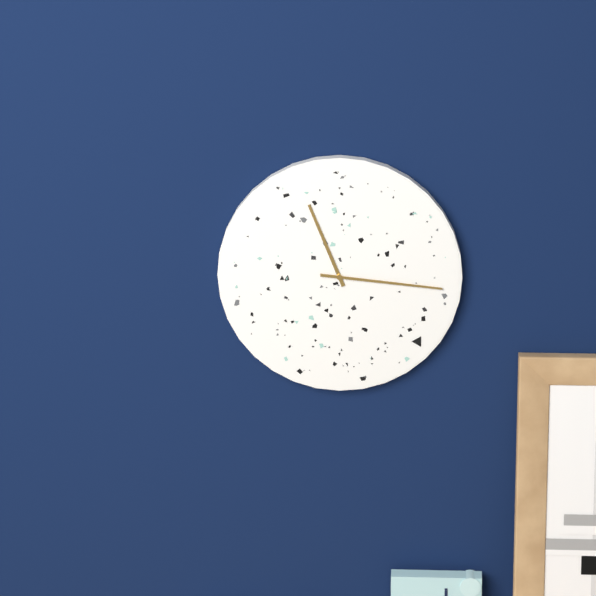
11,16
